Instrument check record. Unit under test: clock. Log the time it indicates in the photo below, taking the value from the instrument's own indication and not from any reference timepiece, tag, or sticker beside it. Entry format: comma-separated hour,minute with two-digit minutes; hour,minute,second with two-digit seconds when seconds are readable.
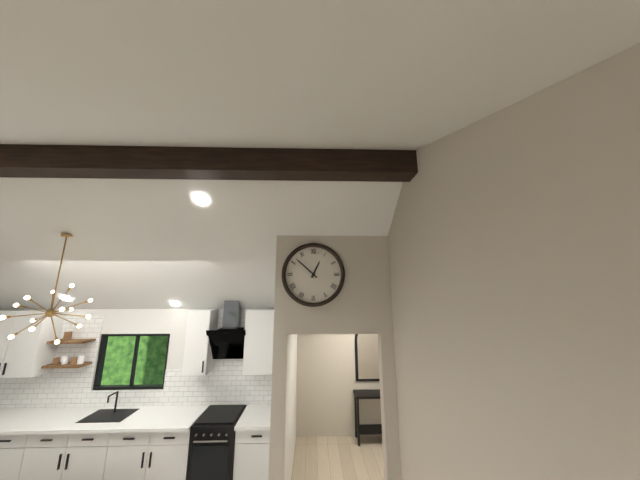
12,52
